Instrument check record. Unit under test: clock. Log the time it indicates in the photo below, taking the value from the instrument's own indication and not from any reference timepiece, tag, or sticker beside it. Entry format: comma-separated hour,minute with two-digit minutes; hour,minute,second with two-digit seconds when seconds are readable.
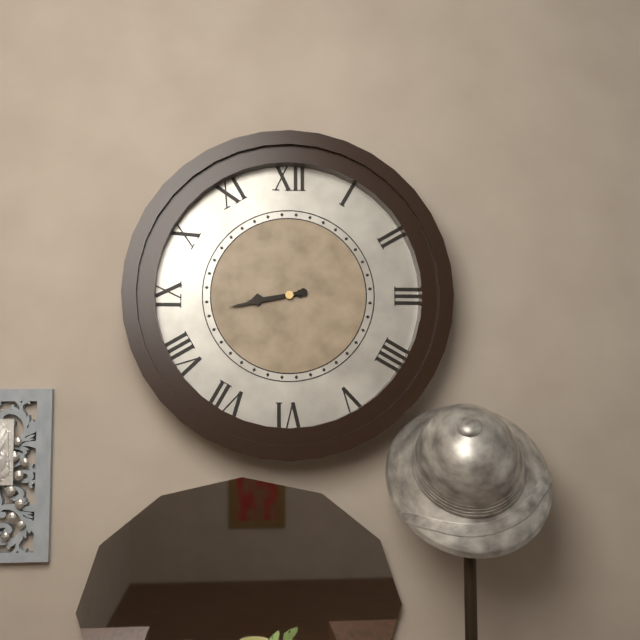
8,43
